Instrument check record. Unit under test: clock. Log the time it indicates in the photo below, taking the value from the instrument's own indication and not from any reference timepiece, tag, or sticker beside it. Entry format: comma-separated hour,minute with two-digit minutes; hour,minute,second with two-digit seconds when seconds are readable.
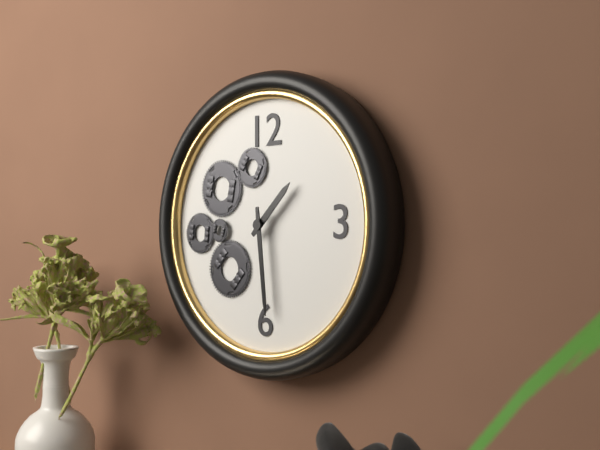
1,29
